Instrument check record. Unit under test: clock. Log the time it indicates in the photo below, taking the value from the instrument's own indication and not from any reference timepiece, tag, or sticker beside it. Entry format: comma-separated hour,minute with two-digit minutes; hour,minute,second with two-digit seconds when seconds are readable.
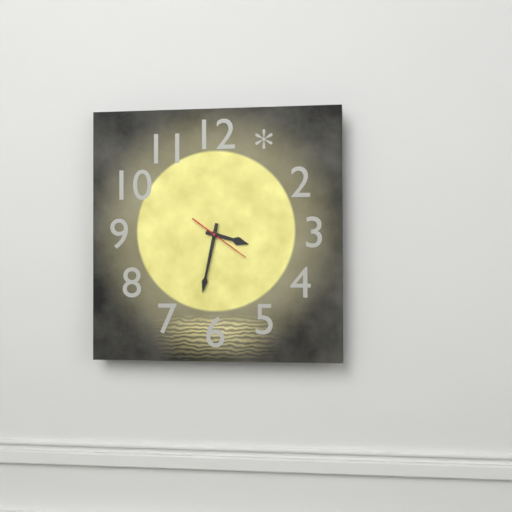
3,32
